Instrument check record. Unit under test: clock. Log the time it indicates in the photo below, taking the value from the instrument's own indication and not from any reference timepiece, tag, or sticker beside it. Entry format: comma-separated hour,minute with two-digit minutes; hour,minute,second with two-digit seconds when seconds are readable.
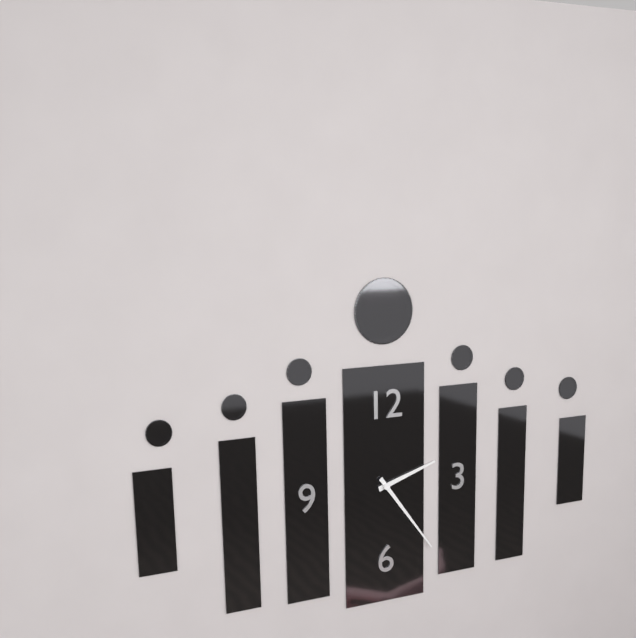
2,24
